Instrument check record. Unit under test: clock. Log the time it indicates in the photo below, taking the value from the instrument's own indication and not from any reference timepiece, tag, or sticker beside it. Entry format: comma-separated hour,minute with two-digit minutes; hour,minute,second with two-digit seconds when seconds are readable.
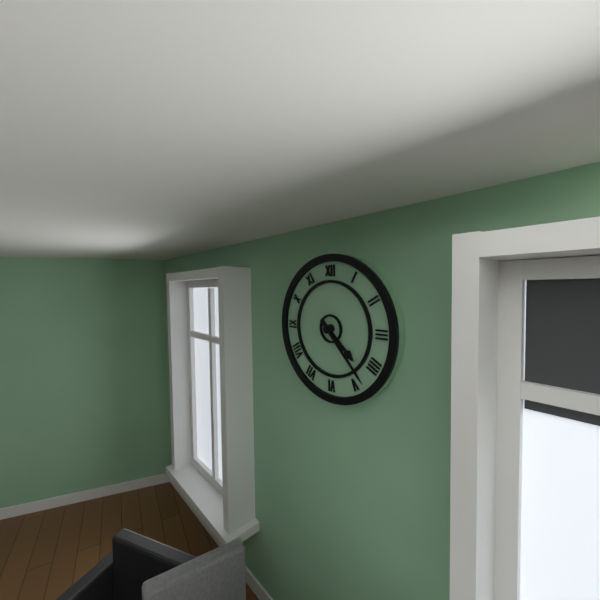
4,23
